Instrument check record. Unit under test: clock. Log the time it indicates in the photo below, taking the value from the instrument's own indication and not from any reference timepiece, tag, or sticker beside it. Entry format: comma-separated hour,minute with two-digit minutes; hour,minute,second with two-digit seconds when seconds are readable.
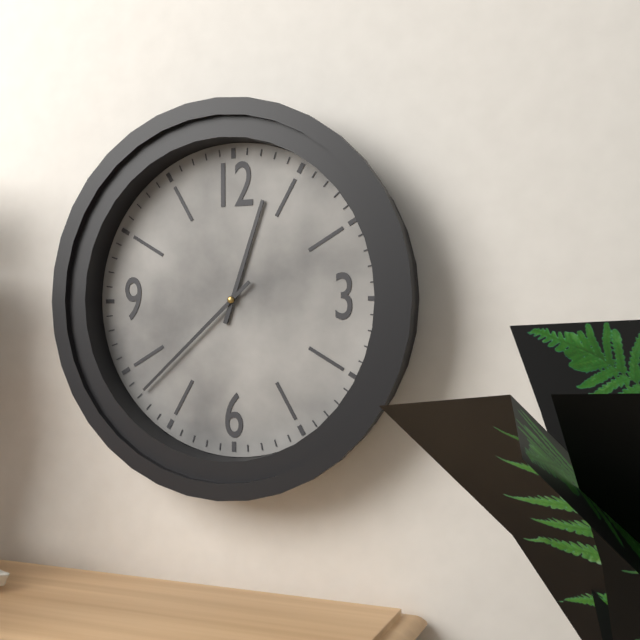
12,38
